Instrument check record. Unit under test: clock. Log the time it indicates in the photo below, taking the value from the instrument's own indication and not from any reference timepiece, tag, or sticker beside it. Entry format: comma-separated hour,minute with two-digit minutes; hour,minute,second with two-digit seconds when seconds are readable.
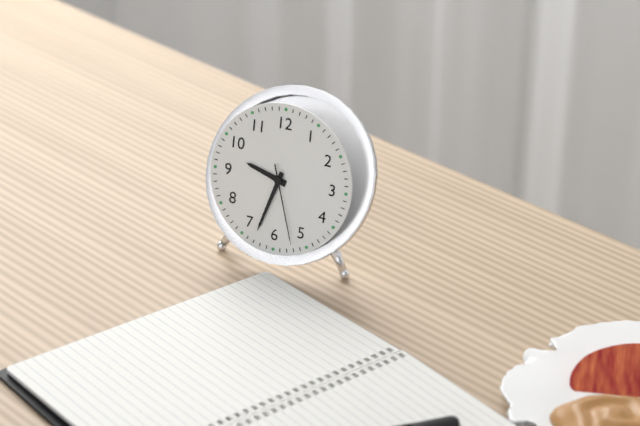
9,33,27
